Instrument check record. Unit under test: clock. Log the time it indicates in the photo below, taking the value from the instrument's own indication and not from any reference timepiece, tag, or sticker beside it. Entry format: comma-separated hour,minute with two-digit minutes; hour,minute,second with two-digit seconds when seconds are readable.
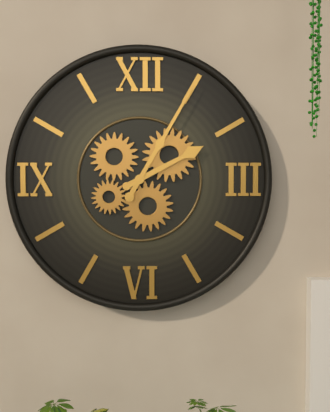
2,05
